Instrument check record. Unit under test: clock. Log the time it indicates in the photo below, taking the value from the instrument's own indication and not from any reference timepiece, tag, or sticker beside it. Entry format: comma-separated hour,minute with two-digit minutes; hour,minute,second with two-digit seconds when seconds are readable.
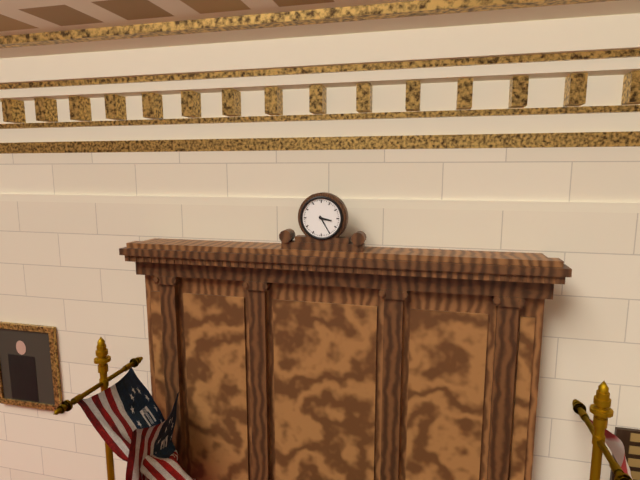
3,25
